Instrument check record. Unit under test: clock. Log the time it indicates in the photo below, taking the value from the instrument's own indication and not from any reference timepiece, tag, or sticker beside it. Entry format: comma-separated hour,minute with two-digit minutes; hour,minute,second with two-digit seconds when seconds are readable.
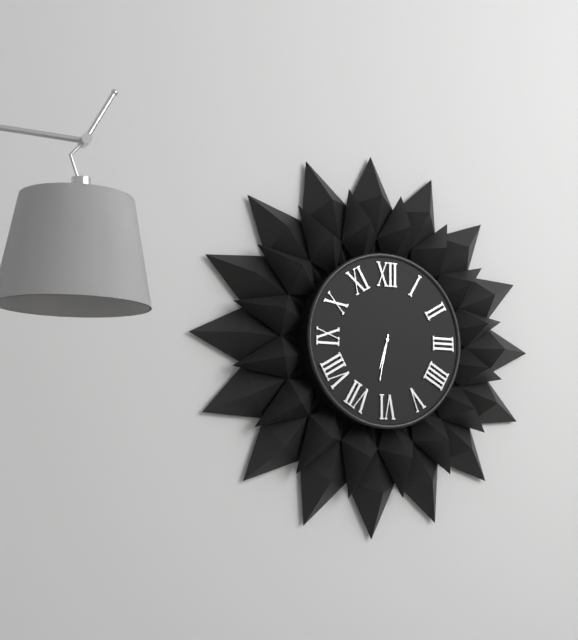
6,32
